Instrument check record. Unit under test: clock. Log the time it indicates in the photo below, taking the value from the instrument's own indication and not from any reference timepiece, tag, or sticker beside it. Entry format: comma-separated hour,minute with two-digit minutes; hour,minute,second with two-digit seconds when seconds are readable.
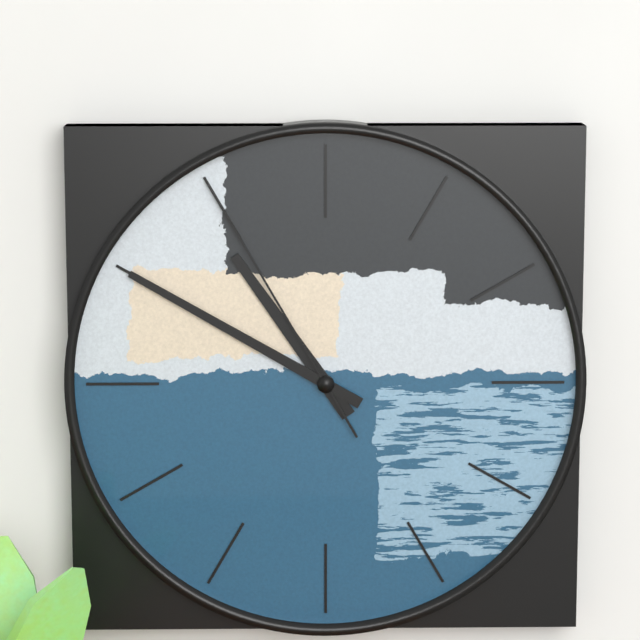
10,50,55
